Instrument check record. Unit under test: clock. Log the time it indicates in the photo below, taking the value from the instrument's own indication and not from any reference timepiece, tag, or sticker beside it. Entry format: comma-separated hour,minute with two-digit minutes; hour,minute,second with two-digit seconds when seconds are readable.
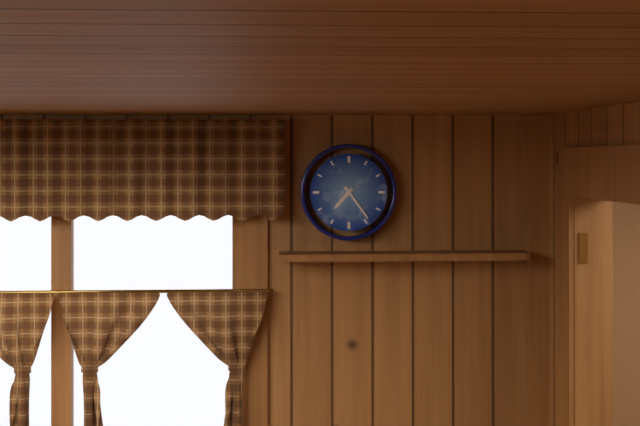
7,24
